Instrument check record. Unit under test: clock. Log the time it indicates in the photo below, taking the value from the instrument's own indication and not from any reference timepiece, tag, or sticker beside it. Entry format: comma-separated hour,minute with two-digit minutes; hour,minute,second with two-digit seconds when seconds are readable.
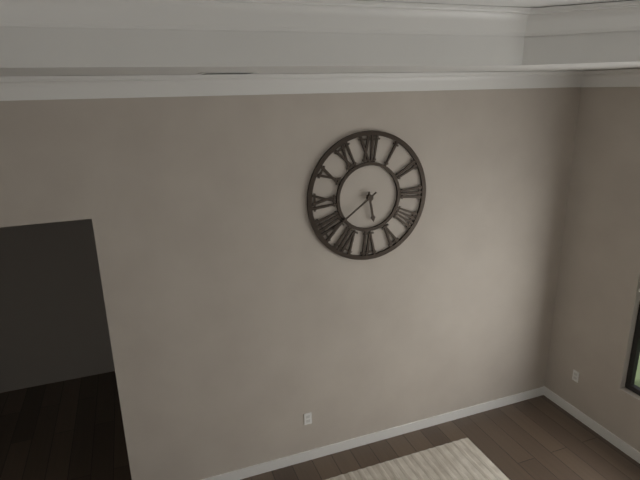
5,39
